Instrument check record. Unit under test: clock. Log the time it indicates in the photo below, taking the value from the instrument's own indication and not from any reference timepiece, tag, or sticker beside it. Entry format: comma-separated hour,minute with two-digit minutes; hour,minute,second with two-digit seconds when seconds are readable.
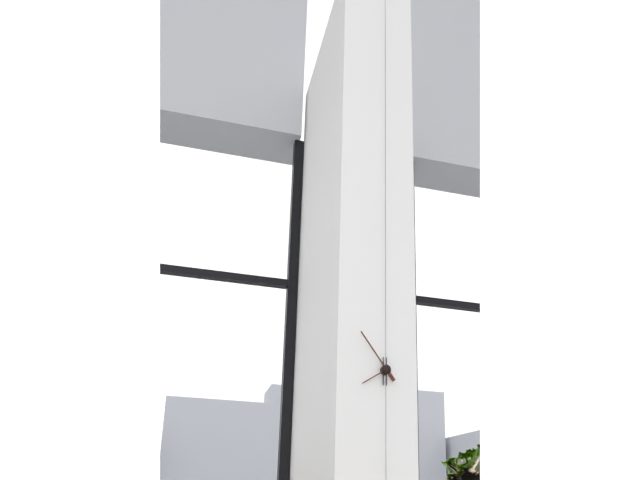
7,54
